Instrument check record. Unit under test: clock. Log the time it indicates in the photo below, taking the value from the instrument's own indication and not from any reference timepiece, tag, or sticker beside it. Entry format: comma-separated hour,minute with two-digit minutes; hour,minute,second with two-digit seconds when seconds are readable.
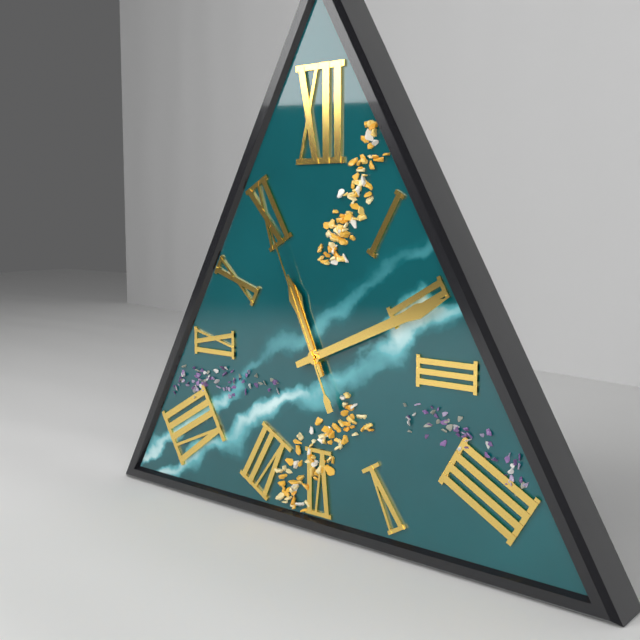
11,11,56
